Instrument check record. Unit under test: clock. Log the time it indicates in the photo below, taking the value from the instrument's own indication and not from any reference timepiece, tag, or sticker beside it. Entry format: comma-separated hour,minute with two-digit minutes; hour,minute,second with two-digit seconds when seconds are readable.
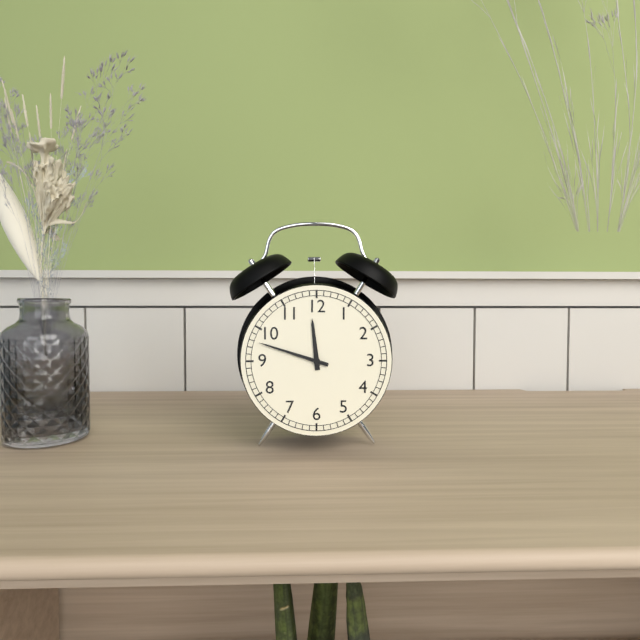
11,48
